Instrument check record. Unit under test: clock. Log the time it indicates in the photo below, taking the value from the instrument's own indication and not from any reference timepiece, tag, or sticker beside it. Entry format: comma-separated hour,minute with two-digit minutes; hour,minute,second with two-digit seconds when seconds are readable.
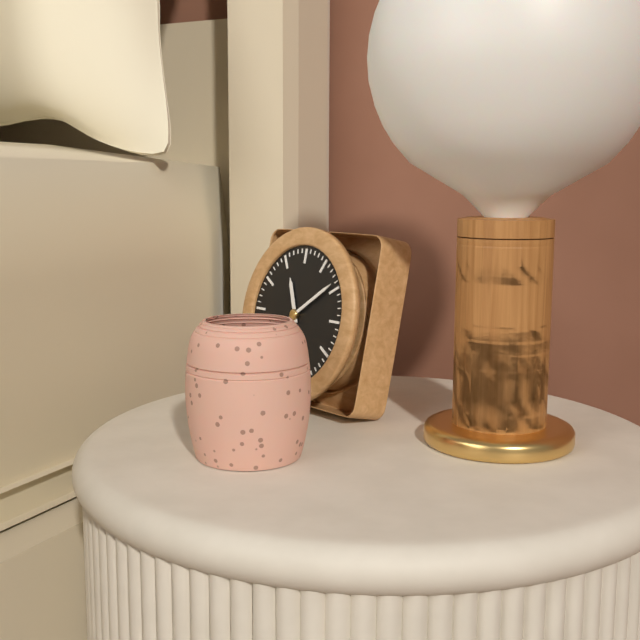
11,09
